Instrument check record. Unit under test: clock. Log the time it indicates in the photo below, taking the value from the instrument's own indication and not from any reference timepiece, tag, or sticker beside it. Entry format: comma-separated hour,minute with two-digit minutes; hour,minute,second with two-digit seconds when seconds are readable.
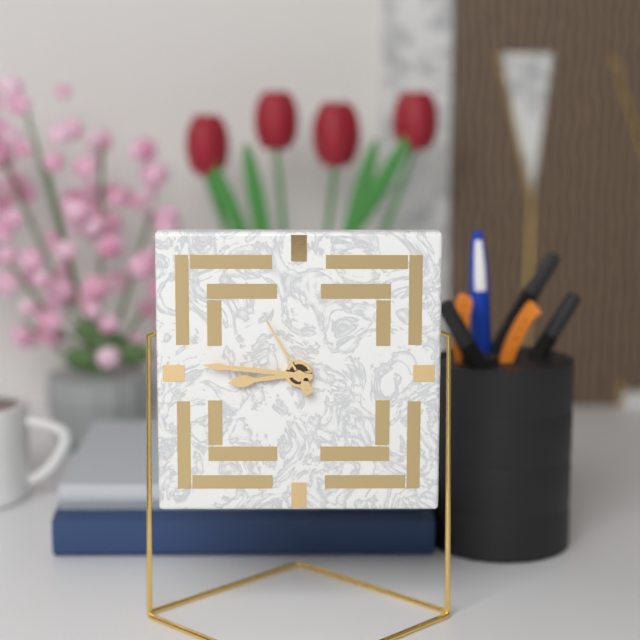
8,46,55
